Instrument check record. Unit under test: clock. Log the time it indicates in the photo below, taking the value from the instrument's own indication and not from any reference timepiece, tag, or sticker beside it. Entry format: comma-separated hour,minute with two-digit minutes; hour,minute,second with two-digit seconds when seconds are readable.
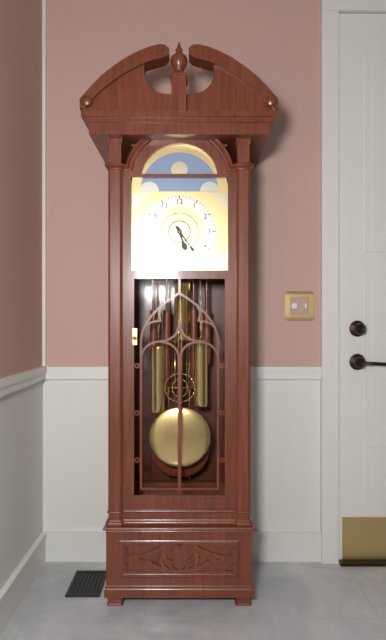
5,24
